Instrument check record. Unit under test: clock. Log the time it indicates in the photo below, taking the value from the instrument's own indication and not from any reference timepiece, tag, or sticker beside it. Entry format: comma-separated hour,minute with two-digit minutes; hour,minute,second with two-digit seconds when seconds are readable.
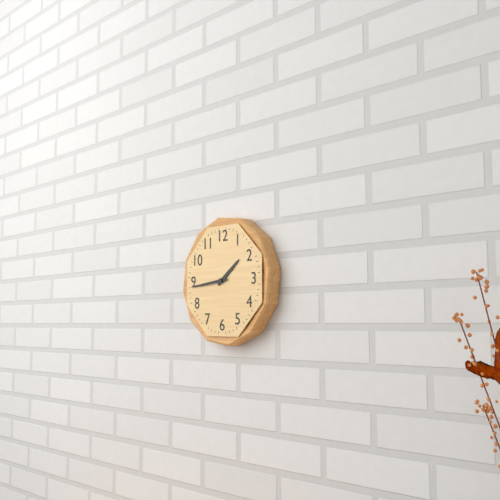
1,44
